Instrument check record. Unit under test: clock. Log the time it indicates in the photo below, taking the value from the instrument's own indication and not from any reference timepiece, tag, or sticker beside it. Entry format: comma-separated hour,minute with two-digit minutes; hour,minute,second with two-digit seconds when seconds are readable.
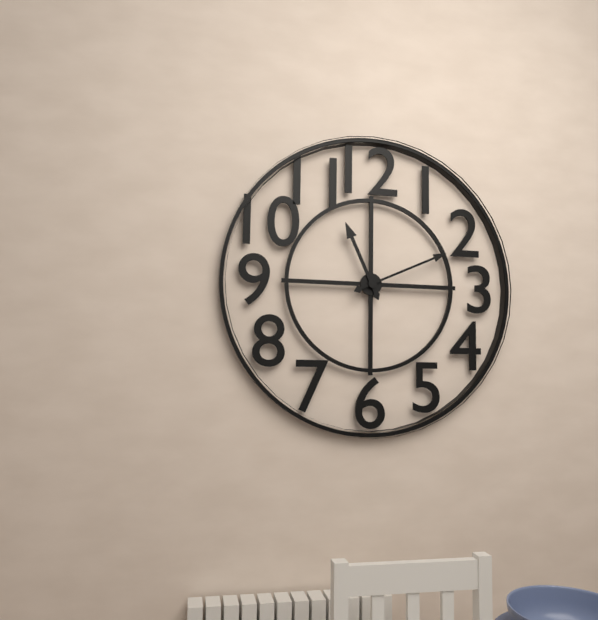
11,11
